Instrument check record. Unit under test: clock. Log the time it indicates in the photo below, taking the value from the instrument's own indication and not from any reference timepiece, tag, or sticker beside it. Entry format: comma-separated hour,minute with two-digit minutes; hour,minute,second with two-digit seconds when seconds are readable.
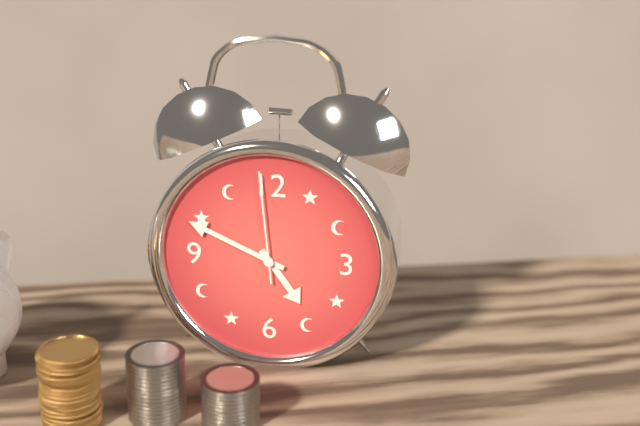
4,49,59
